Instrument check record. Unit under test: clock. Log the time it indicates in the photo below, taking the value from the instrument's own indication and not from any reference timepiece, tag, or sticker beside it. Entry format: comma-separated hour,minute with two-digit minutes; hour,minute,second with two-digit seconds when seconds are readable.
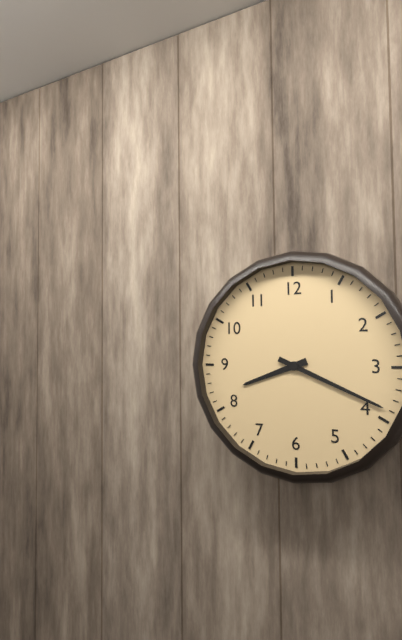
8,19
